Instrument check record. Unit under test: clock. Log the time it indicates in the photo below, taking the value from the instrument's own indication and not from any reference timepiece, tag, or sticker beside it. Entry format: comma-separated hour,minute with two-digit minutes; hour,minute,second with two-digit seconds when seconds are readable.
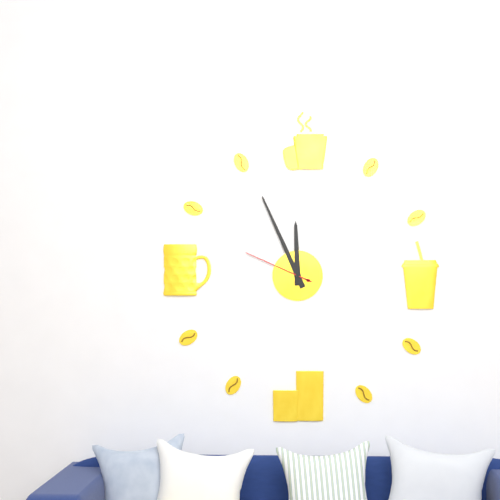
11,56,49
